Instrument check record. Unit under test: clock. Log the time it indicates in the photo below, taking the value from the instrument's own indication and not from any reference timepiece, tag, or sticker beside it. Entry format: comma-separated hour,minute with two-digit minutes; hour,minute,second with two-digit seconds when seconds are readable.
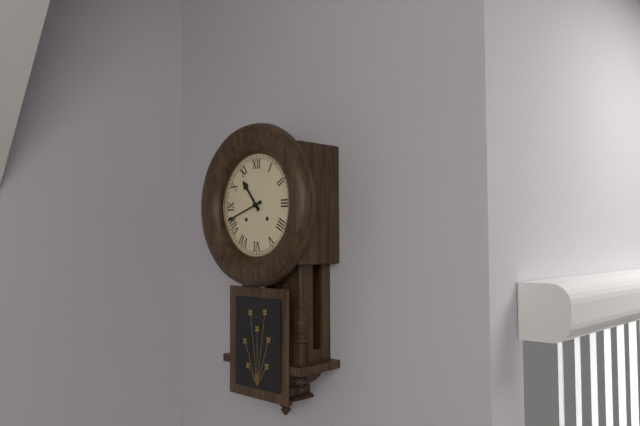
10,42
